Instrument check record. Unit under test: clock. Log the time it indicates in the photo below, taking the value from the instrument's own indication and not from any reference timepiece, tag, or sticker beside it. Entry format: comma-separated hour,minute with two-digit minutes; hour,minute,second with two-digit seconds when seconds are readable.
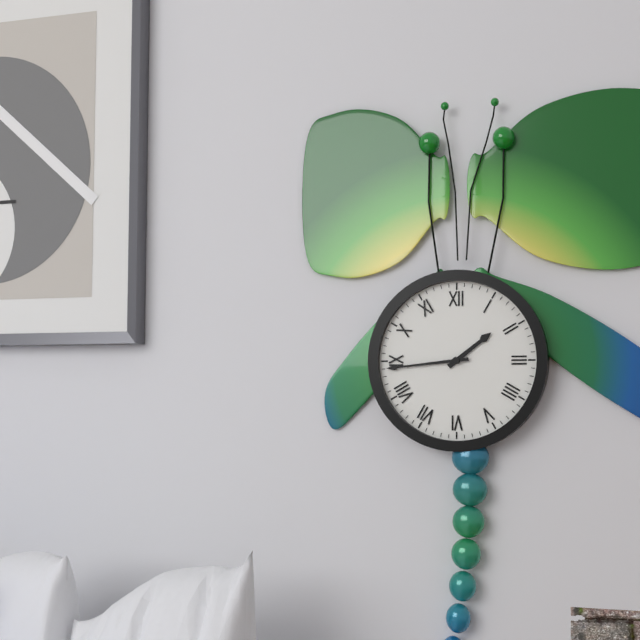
1,44
